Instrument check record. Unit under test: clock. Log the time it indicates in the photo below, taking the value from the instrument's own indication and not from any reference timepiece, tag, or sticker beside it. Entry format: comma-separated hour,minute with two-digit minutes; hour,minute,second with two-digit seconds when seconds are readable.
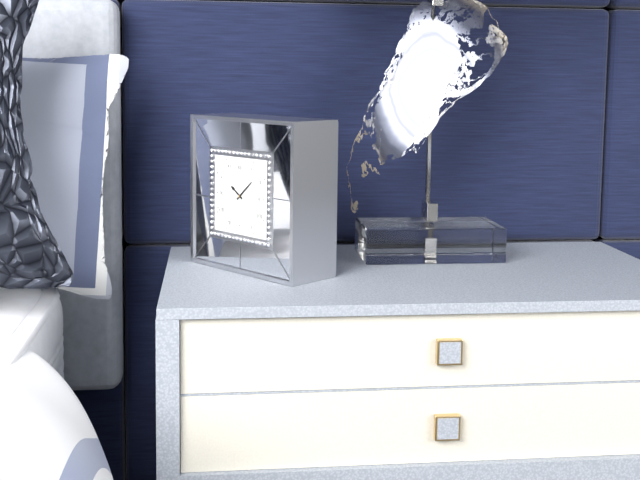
10,08
